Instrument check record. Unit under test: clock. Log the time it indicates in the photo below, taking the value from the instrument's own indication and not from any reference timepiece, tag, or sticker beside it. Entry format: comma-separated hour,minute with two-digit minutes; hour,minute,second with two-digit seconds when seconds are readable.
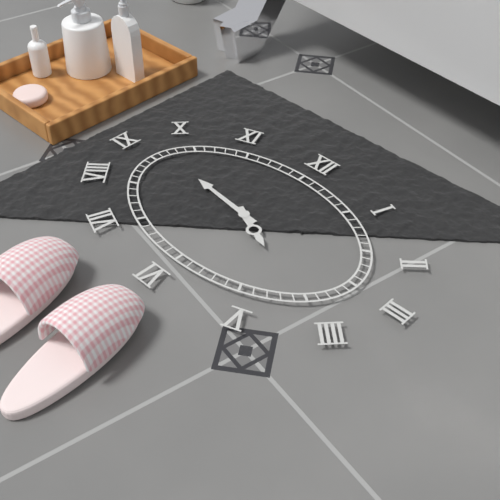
3,46
